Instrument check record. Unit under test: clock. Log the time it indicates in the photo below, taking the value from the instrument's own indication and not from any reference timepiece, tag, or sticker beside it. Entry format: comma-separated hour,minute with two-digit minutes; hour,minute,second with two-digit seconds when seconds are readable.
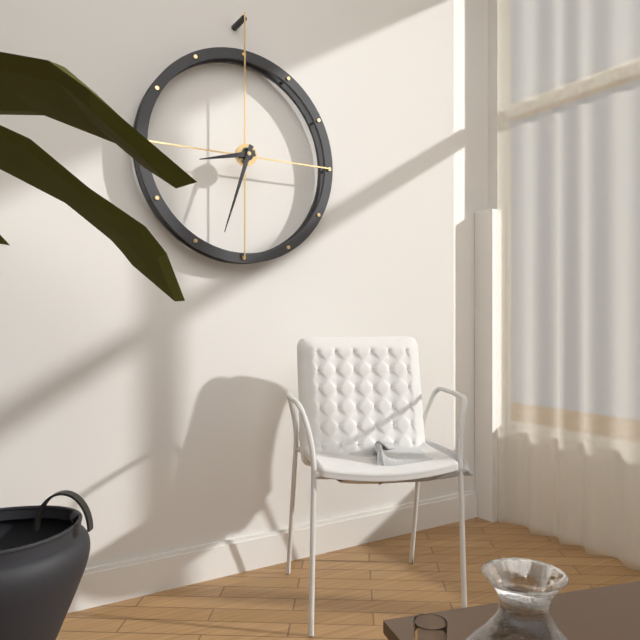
8,33
